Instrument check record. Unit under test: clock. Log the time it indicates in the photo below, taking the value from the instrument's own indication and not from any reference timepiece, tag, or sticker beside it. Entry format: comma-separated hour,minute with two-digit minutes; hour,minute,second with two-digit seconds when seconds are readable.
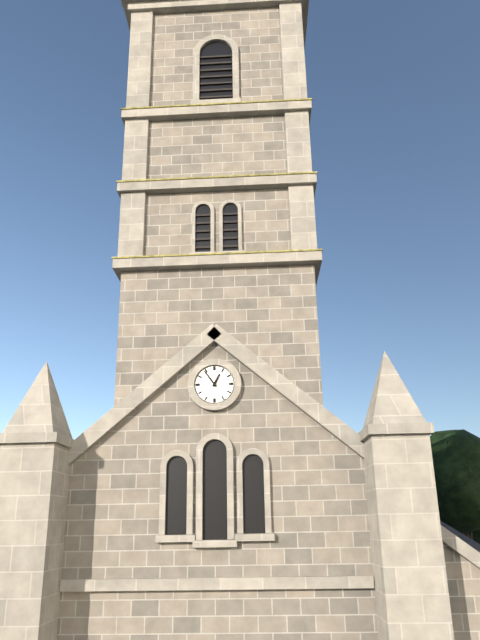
12,54
